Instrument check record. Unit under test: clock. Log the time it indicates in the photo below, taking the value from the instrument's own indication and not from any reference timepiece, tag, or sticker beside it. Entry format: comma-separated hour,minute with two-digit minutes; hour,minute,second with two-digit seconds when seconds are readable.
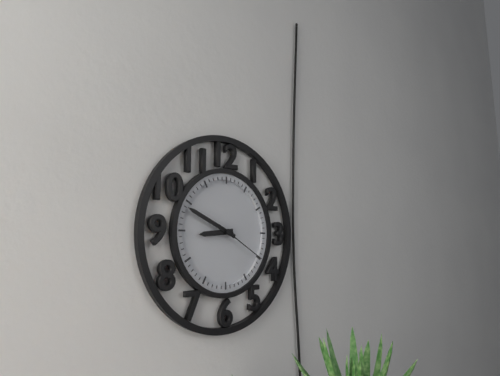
8,49,20
